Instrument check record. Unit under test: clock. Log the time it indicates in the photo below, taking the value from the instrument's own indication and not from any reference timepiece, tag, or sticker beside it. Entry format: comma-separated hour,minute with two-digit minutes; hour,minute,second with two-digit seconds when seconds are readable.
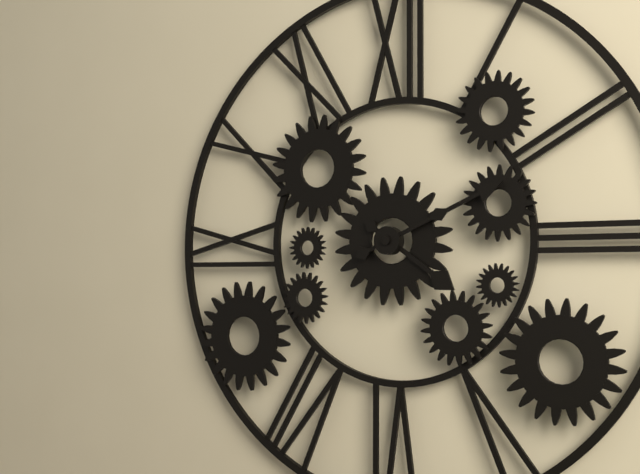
4,11
